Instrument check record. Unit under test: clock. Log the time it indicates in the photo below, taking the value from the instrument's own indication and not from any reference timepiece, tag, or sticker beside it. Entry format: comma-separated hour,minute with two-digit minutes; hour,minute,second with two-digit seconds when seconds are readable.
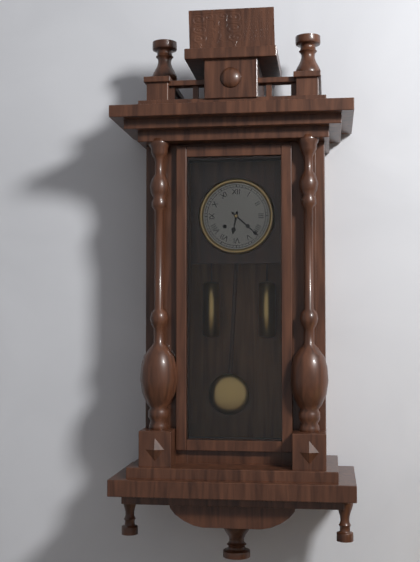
6,22
